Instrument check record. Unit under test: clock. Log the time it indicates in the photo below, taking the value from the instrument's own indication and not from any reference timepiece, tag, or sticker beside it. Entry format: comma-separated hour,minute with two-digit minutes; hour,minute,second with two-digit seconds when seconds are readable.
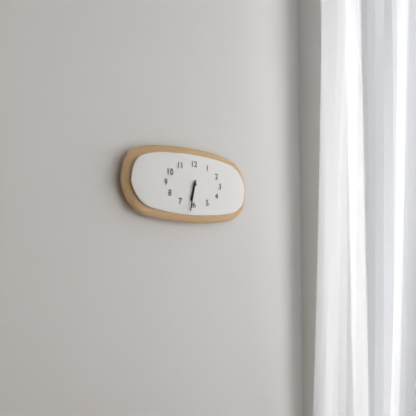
6,32
